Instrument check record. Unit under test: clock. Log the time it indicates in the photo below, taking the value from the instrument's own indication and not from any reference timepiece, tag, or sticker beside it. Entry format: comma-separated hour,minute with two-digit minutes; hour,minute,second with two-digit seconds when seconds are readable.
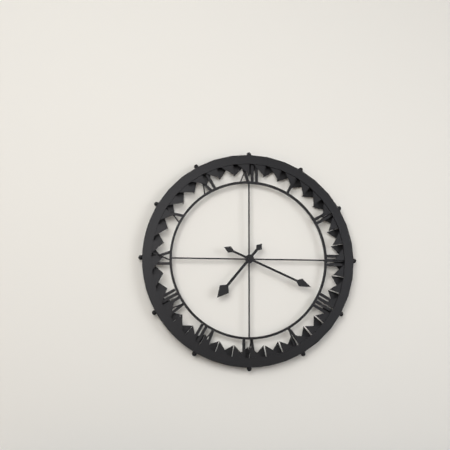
7,19
